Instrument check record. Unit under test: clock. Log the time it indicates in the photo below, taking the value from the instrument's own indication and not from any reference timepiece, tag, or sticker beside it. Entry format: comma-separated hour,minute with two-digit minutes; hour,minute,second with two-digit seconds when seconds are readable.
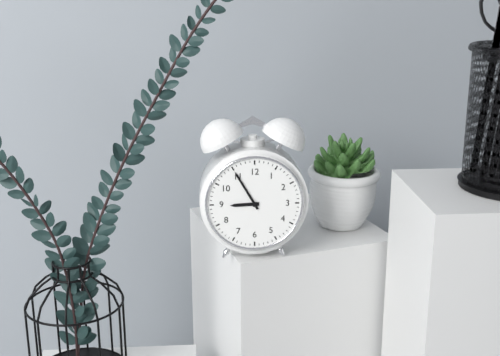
8,55
